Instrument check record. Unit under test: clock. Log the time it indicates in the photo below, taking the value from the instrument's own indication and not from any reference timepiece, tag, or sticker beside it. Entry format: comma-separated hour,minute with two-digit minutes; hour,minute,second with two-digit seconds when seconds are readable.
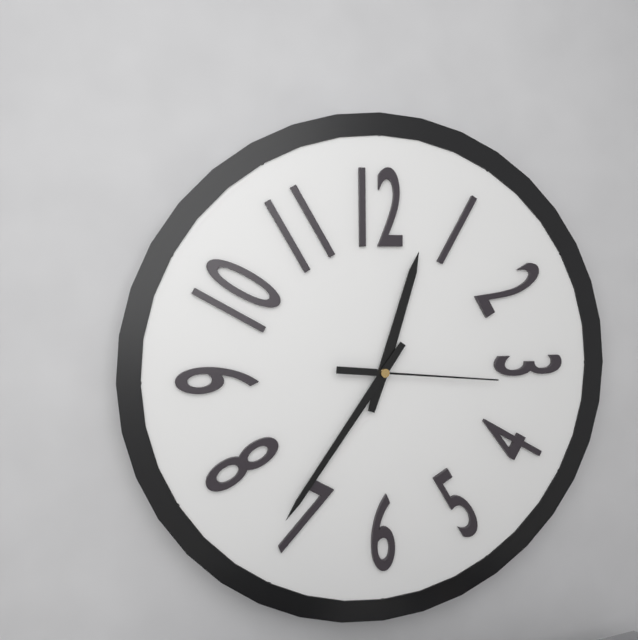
12,36,16
